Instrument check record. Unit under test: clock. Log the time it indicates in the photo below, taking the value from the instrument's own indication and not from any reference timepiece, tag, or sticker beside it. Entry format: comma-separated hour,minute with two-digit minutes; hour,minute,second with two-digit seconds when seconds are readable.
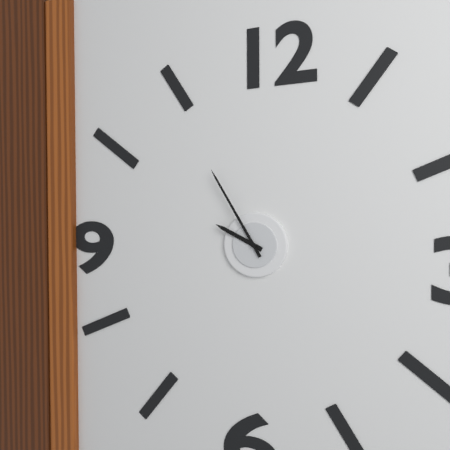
9,55
